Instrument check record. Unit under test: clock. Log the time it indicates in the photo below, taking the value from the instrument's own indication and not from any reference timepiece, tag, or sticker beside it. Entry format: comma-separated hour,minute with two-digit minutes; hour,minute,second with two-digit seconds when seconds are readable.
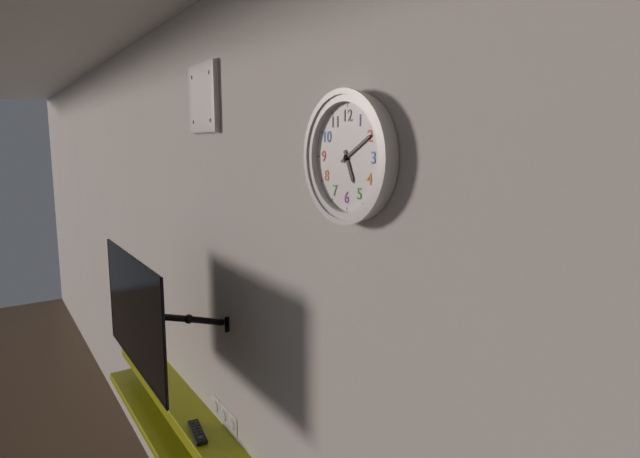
5,10
